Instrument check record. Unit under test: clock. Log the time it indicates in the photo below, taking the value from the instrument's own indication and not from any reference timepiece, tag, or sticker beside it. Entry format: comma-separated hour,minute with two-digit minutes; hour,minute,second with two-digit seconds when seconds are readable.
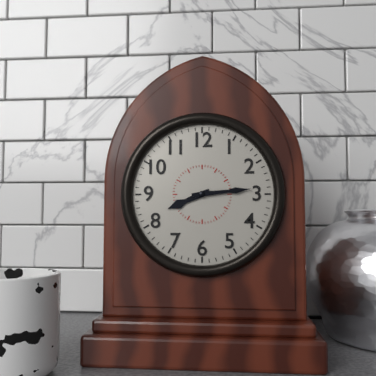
8,14
